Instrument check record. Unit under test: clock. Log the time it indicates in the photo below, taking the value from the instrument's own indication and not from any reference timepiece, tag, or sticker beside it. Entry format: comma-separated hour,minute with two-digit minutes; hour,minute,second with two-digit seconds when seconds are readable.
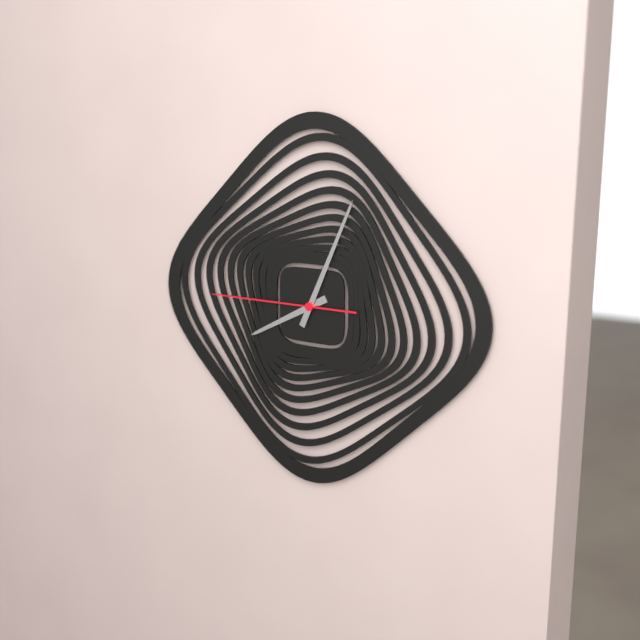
8,04,45
